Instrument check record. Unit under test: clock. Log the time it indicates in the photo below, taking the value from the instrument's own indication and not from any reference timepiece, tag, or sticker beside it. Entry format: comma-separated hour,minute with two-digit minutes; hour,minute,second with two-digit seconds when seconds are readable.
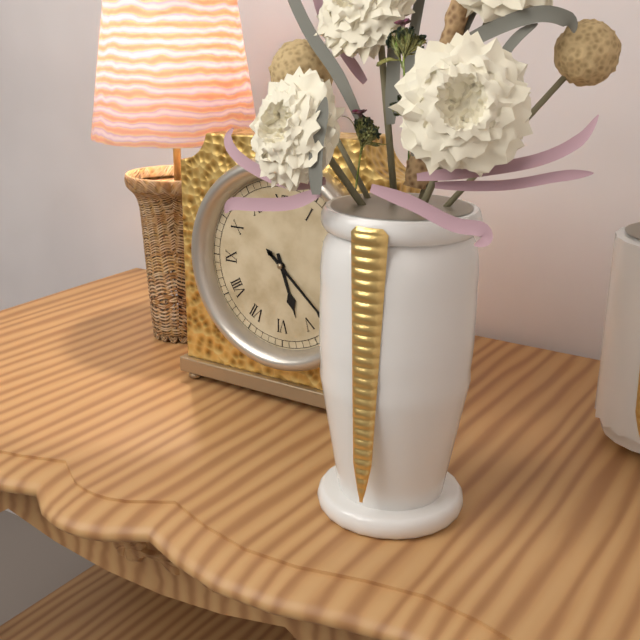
5,22
